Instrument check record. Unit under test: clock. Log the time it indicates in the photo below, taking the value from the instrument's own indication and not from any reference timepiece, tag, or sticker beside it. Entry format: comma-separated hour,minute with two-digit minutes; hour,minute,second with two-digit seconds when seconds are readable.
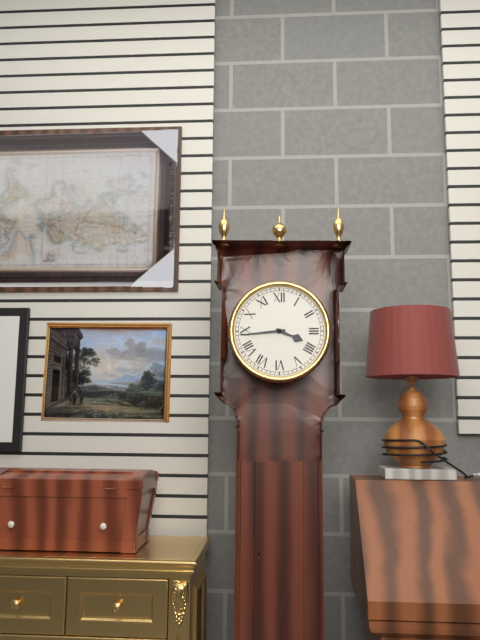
3,44
